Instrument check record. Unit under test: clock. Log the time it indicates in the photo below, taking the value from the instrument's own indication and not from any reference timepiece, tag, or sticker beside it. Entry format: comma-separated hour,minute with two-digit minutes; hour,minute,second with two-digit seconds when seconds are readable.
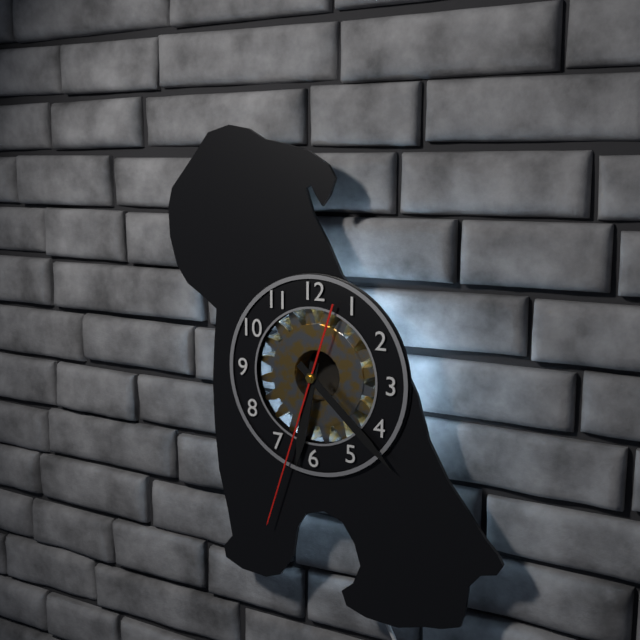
6,22,33
